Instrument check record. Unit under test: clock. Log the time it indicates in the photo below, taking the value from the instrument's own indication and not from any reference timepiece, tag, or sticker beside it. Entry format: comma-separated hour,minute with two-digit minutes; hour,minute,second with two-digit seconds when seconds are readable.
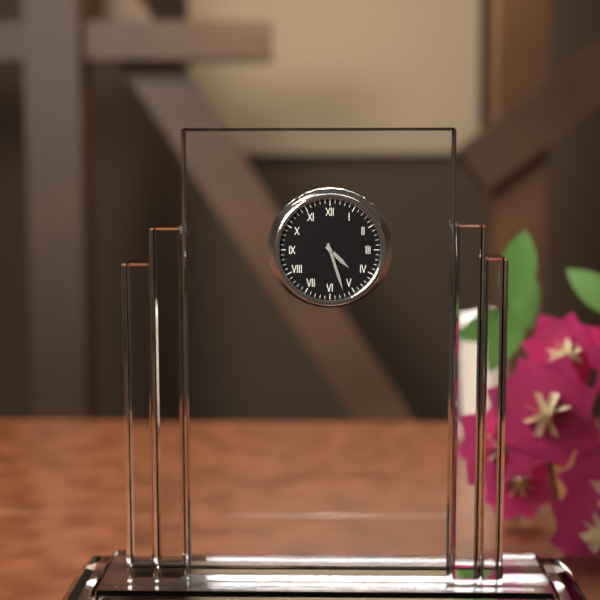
4,27
